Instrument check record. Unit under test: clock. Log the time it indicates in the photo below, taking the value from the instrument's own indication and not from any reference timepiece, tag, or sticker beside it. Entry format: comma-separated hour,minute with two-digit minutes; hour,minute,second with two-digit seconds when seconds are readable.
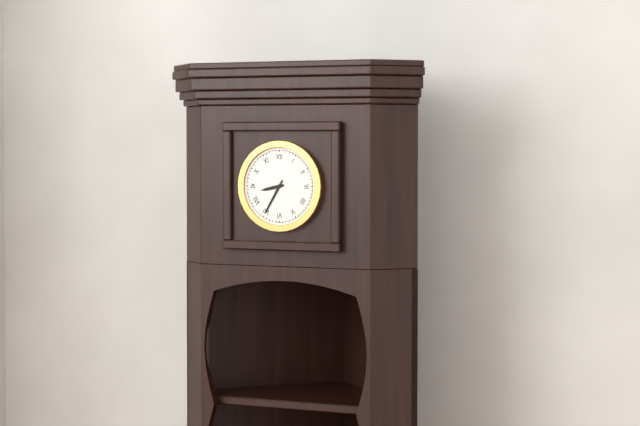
8,35
